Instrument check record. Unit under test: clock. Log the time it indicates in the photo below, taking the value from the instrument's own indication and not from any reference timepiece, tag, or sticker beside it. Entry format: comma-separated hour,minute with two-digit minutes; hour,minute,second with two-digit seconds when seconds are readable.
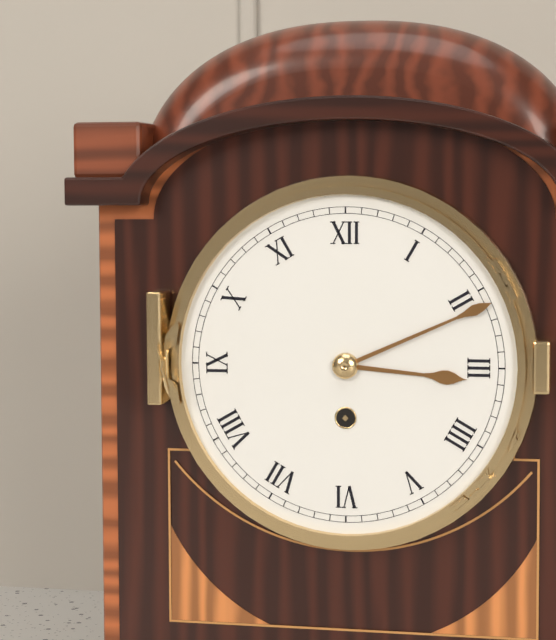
3,11
